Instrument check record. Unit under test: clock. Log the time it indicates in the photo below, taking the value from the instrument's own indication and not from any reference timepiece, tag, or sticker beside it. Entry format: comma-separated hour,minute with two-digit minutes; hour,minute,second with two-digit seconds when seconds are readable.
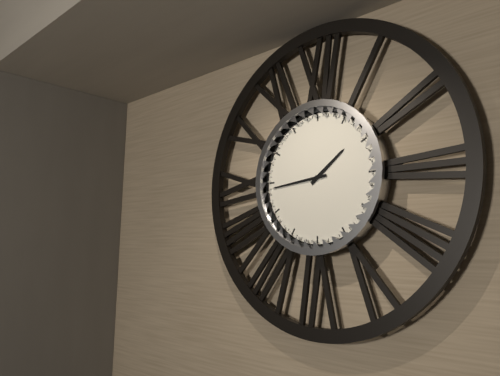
1,44
